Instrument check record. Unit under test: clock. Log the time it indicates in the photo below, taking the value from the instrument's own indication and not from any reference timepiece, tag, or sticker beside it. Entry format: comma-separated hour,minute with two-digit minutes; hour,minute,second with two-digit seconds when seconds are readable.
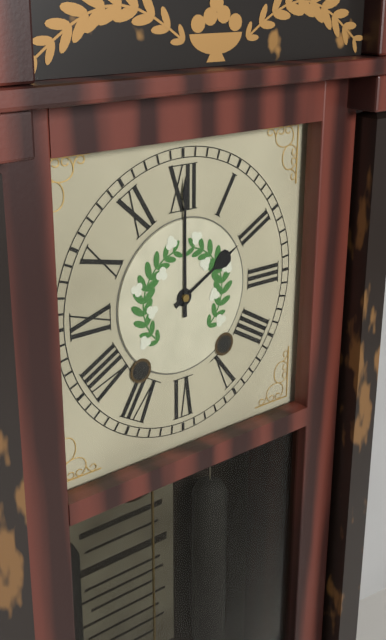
2,00
